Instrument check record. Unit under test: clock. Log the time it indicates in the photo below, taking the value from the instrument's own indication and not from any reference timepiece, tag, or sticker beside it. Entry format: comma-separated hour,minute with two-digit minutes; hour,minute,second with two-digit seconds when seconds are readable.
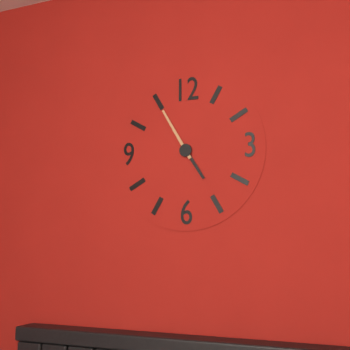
4,55
